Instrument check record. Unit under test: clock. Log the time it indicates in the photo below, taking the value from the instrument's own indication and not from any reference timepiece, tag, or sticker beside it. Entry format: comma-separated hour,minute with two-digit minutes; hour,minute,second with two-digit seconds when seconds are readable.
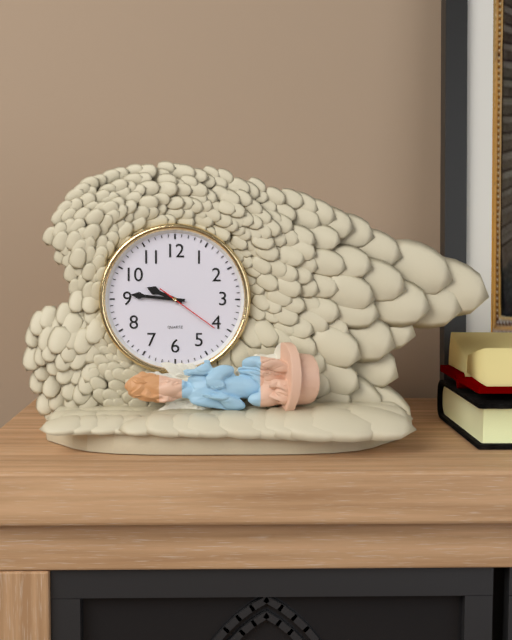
9,46,21
